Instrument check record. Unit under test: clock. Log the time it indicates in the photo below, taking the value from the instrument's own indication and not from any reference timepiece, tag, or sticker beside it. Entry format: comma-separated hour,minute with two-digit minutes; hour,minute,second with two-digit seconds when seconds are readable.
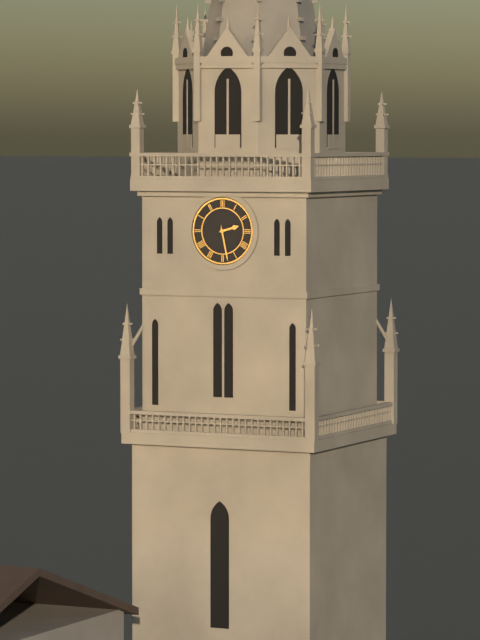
2,28
